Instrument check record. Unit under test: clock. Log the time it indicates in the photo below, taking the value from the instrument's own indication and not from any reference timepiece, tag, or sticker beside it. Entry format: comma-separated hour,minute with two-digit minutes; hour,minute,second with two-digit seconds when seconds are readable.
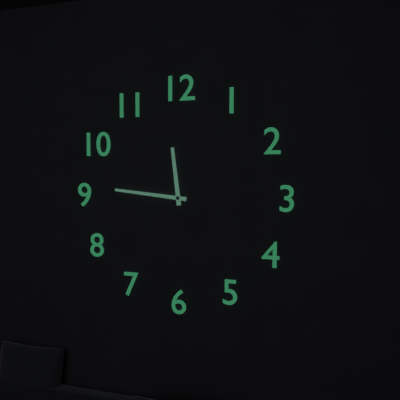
11,46
